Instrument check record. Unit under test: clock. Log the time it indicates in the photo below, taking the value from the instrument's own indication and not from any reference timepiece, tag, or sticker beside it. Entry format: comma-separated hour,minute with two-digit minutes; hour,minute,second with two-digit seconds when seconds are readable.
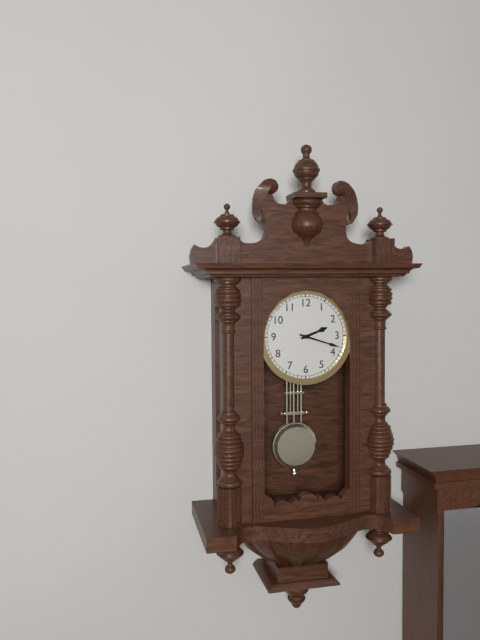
2,18
